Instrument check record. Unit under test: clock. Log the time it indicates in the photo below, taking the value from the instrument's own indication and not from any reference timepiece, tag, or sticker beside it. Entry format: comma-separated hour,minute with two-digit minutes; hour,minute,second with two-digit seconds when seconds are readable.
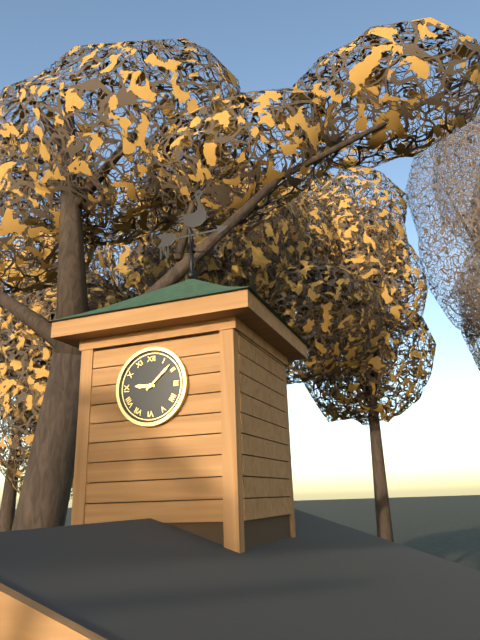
9,08
